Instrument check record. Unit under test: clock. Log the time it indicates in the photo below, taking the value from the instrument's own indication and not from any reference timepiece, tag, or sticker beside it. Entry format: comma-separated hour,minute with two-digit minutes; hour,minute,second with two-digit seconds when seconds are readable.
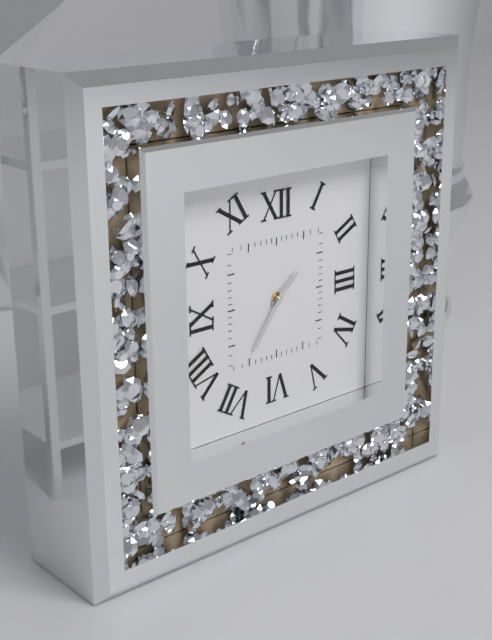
1,36
